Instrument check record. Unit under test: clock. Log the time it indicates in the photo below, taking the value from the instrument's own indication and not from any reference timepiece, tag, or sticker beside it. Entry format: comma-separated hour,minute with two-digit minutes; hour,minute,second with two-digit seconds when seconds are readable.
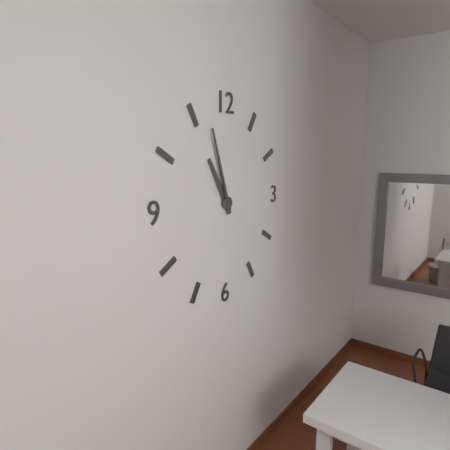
10,57
